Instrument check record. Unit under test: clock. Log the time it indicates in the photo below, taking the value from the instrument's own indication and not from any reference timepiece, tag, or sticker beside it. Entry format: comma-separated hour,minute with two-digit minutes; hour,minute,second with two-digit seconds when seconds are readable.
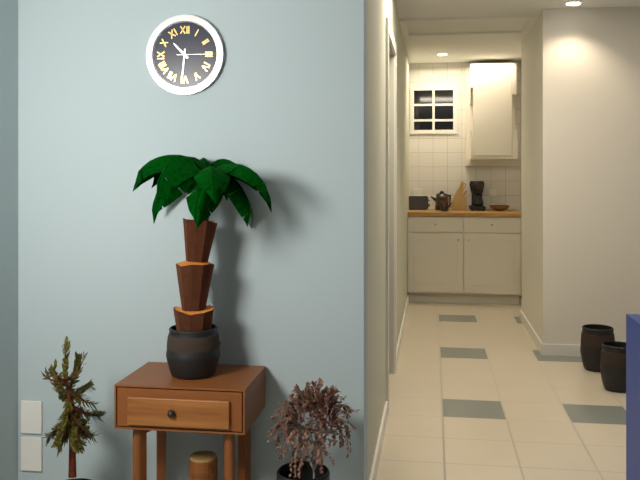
10,31
